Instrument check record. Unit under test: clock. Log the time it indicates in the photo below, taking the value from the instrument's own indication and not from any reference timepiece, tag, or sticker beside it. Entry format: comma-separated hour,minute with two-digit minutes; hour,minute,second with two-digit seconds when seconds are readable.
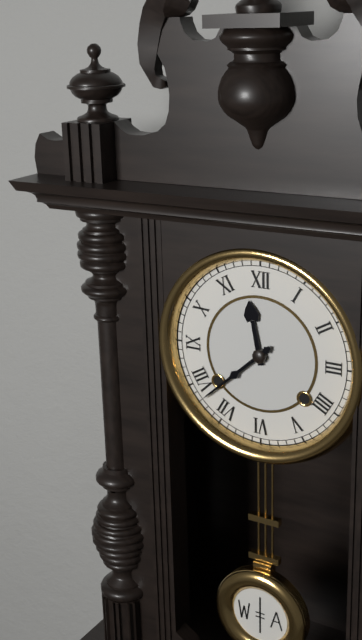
11,38
